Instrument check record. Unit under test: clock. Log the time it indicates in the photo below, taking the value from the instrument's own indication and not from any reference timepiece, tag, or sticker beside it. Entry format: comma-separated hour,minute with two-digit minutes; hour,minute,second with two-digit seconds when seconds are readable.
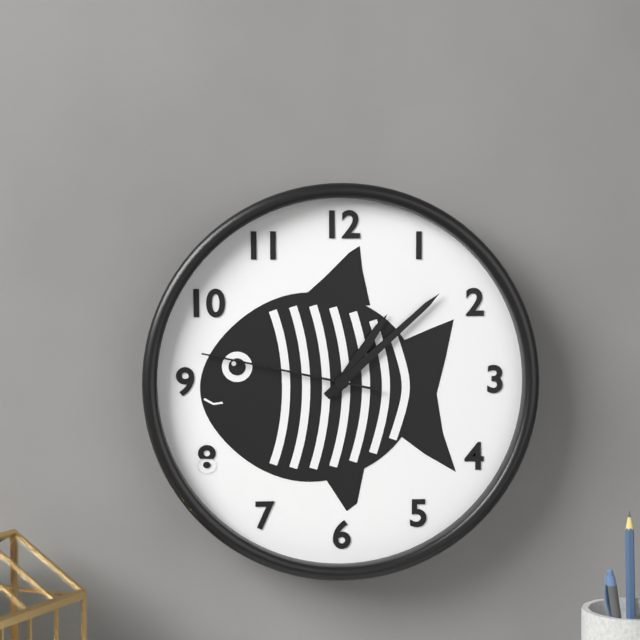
1,08,47
